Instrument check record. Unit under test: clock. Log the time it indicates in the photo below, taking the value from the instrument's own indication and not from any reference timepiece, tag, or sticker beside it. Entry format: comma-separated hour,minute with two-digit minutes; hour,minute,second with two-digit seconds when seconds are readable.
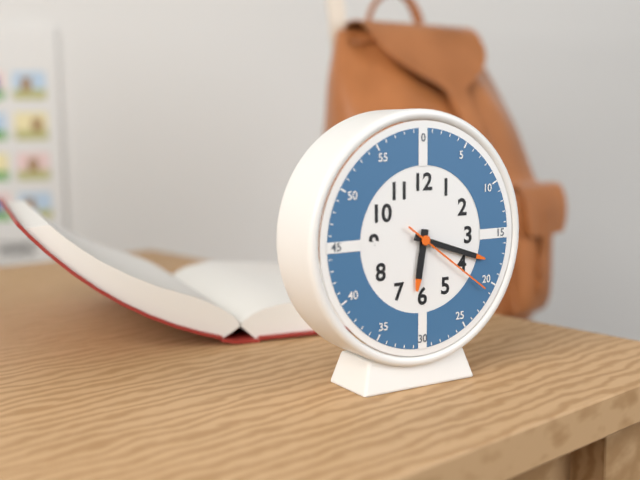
6,18,21
